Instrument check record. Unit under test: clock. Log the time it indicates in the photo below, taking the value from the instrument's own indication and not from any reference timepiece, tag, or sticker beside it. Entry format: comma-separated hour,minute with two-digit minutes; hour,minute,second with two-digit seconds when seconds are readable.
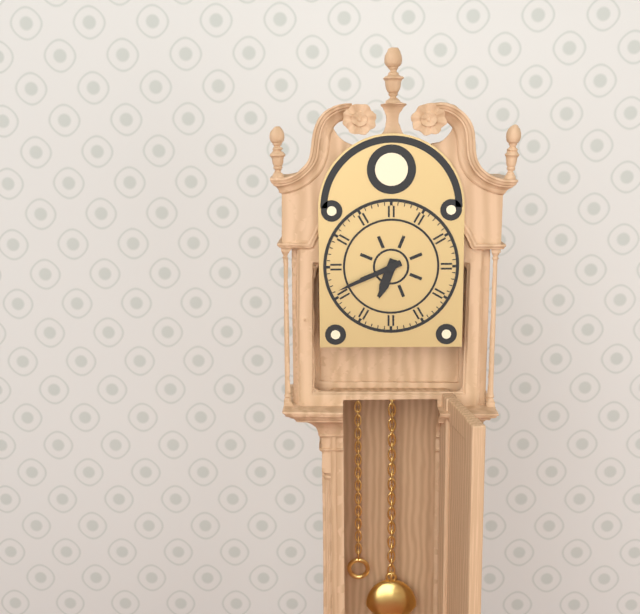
6,41
